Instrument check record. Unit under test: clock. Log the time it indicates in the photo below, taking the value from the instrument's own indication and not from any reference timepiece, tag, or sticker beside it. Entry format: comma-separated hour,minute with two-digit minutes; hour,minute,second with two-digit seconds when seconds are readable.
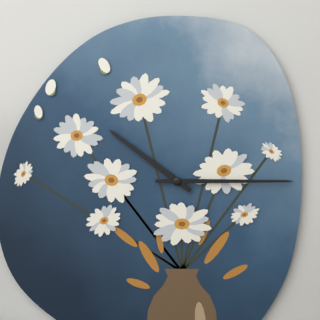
10,15
